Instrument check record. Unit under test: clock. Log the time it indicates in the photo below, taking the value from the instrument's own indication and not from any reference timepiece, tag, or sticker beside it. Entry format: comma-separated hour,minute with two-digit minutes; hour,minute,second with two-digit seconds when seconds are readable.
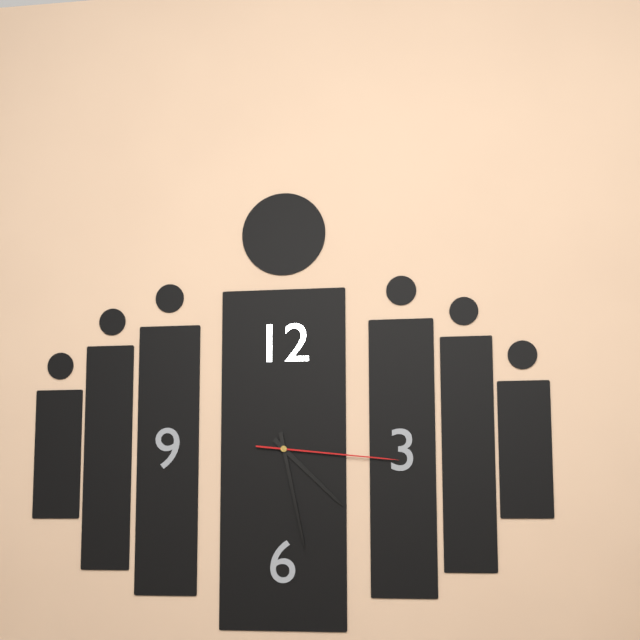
4,28,16
